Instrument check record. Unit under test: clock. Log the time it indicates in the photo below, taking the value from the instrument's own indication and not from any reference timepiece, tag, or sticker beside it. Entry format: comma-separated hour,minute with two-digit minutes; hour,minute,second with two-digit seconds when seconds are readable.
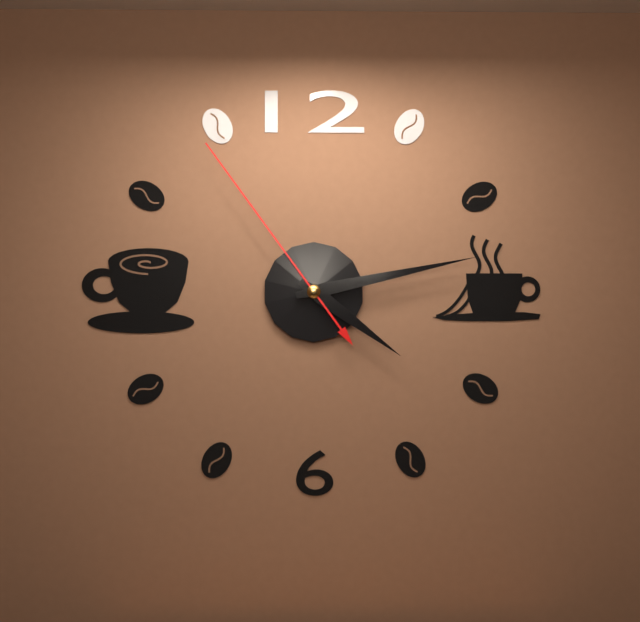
4,13,54
